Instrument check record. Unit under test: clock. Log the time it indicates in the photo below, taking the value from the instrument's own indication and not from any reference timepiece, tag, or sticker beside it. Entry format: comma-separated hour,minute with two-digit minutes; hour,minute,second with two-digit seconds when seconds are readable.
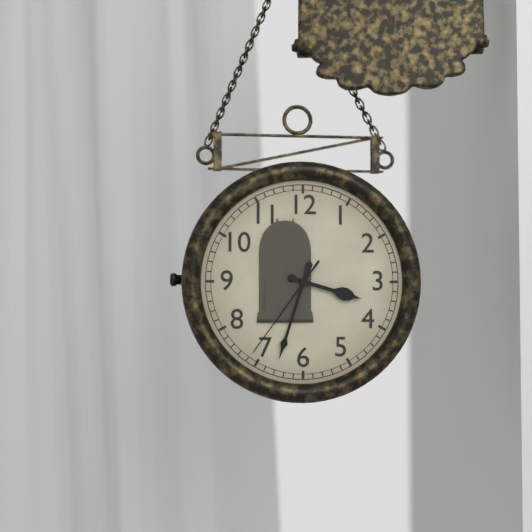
3,33,36
